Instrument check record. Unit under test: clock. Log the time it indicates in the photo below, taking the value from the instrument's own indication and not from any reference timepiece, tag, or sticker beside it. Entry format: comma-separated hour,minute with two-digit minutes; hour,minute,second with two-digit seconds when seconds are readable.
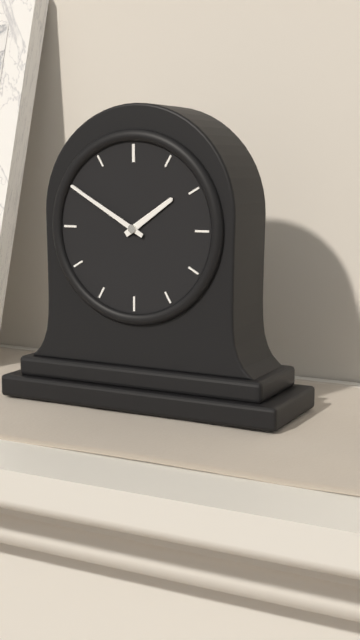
1,50
